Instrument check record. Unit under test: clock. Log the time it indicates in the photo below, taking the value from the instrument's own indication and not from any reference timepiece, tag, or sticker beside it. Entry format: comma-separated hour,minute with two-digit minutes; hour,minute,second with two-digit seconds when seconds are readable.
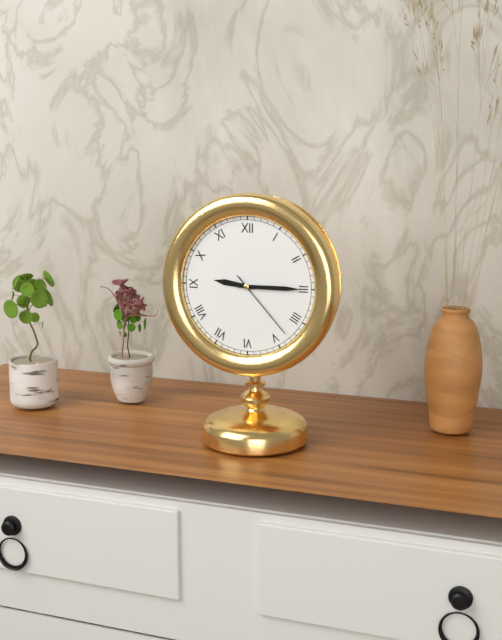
9,15,23
